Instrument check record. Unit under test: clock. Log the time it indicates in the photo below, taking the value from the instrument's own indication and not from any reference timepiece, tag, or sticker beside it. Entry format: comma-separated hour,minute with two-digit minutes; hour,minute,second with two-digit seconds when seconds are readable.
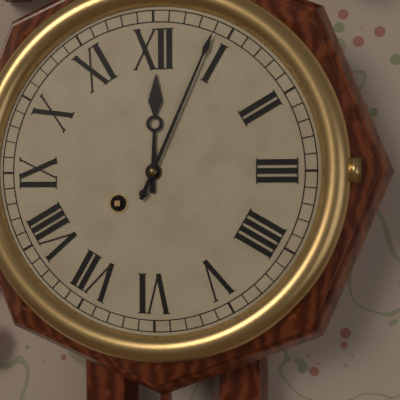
12,04
